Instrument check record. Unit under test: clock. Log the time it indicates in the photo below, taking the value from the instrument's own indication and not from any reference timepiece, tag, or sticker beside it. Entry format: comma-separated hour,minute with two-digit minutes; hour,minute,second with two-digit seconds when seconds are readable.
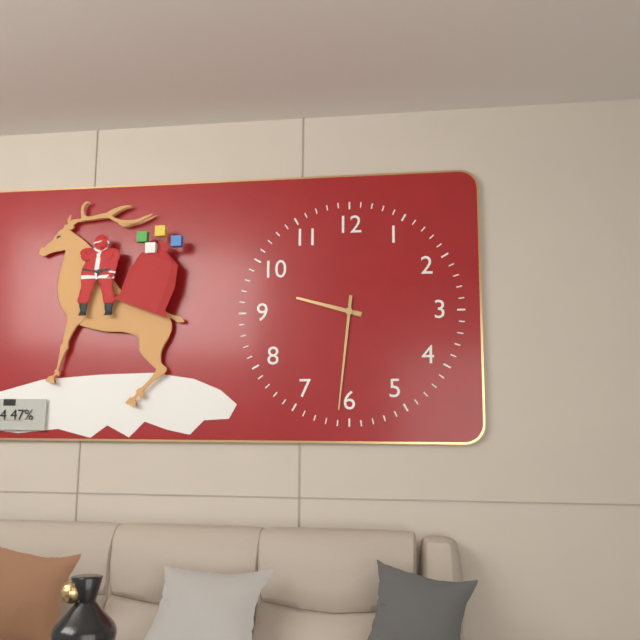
9,31
